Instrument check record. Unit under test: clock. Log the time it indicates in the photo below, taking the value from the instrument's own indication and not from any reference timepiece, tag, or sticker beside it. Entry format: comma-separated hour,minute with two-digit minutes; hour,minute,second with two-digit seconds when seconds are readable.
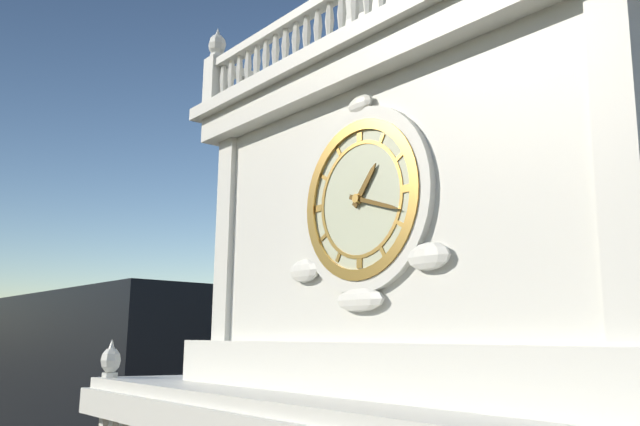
1,18
